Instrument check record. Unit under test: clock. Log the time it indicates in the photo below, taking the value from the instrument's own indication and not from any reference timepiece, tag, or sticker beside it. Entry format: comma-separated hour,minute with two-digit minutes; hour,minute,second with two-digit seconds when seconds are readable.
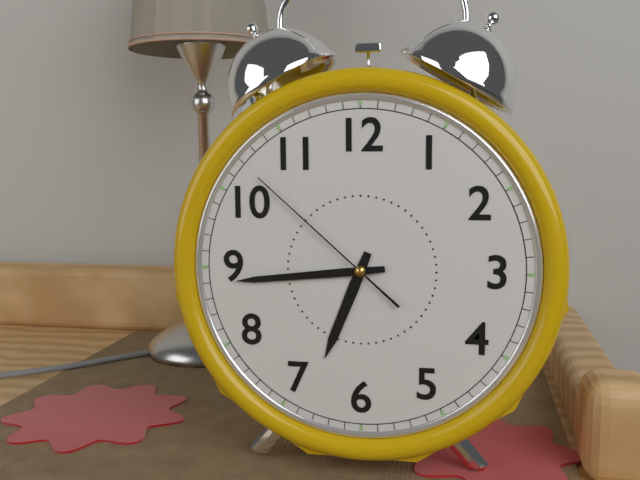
6,44,52
